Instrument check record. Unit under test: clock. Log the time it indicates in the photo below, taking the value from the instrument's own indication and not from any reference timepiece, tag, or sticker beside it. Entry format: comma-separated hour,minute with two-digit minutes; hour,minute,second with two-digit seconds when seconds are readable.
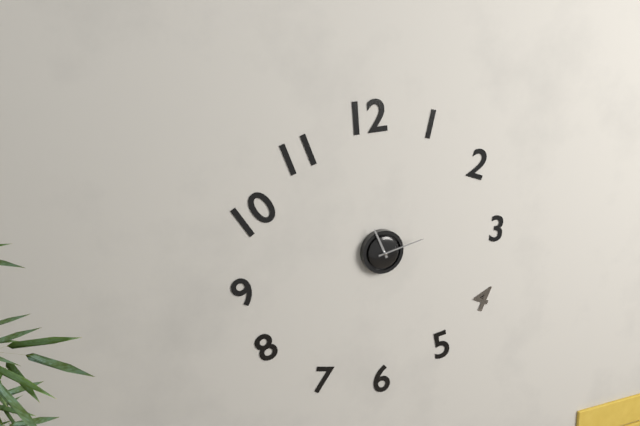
11,13
